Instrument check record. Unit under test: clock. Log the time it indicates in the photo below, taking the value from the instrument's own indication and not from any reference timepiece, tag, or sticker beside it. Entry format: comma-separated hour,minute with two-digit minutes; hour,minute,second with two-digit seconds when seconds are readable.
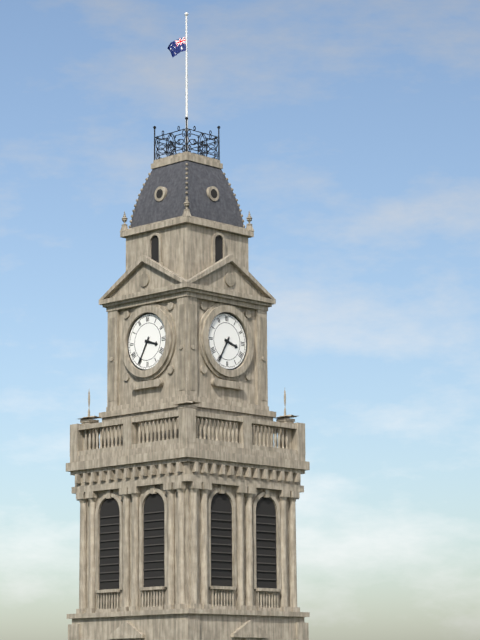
3,35
